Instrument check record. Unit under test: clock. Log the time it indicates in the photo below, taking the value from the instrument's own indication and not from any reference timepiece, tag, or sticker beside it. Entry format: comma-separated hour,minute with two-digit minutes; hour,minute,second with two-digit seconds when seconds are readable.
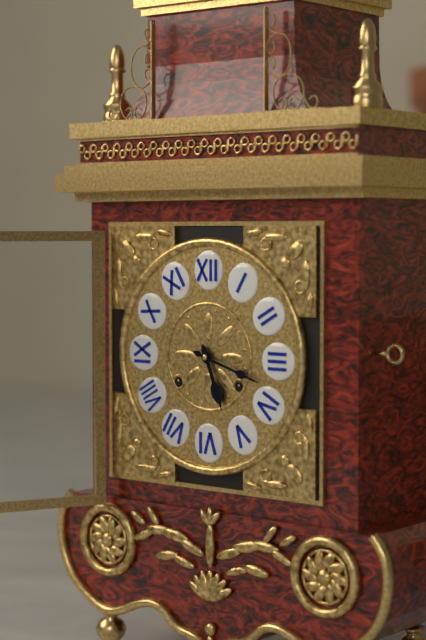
5,18
